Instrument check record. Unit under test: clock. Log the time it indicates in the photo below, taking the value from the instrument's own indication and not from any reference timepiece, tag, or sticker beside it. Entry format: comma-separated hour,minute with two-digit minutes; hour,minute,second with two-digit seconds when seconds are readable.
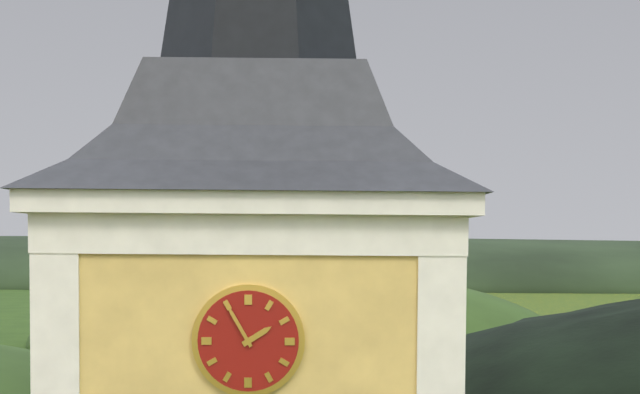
1,55
